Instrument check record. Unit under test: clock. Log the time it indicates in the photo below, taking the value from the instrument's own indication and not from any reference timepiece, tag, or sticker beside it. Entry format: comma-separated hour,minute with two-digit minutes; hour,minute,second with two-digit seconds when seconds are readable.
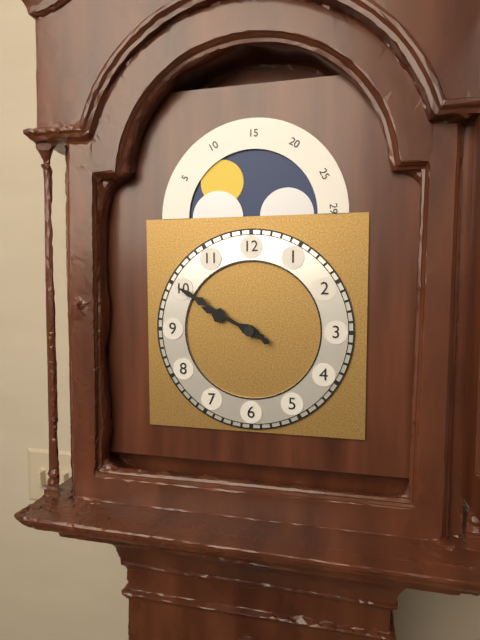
9,50
